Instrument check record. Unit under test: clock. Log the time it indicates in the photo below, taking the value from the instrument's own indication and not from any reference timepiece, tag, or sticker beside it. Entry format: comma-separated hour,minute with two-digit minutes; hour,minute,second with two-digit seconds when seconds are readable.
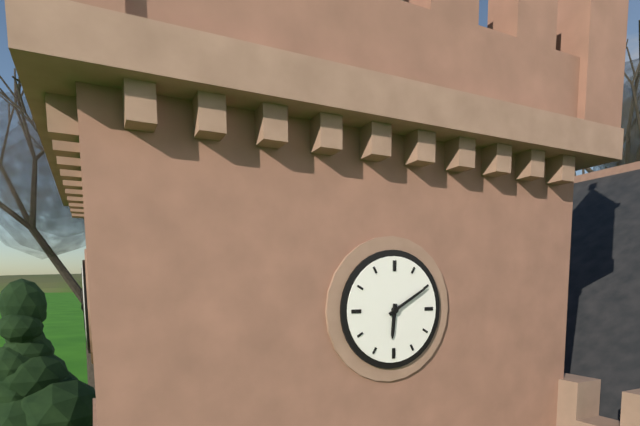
6,10
